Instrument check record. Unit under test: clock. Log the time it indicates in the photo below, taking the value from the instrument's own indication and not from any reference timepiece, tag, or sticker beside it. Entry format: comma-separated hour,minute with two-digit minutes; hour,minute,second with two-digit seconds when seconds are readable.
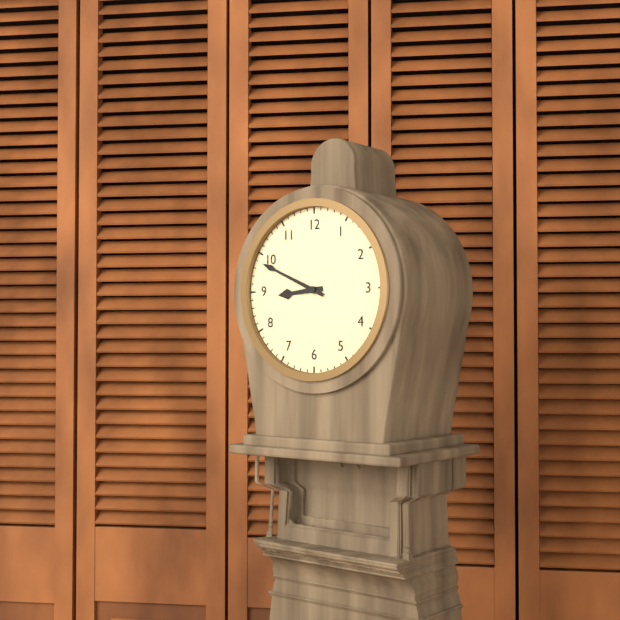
8,49
